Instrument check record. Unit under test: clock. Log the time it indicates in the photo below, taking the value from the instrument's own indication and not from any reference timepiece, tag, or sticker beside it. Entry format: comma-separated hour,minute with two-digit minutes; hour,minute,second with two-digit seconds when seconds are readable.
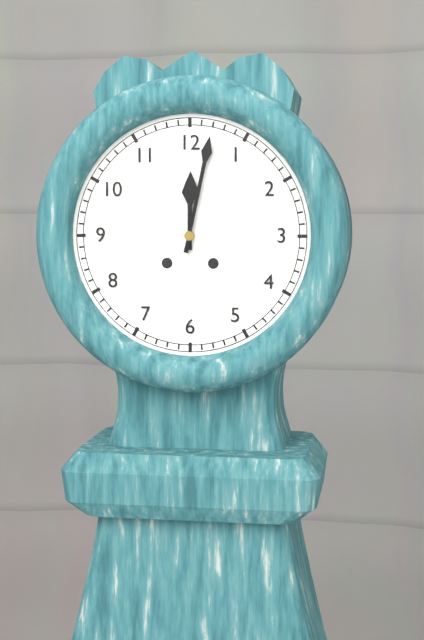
12,02
